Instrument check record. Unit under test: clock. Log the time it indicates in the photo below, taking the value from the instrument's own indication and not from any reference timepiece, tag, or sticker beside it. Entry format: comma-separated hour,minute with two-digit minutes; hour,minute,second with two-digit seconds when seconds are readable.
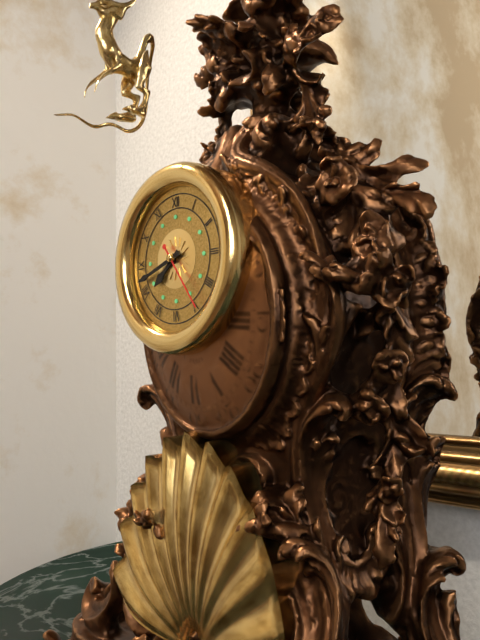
7,42,24
